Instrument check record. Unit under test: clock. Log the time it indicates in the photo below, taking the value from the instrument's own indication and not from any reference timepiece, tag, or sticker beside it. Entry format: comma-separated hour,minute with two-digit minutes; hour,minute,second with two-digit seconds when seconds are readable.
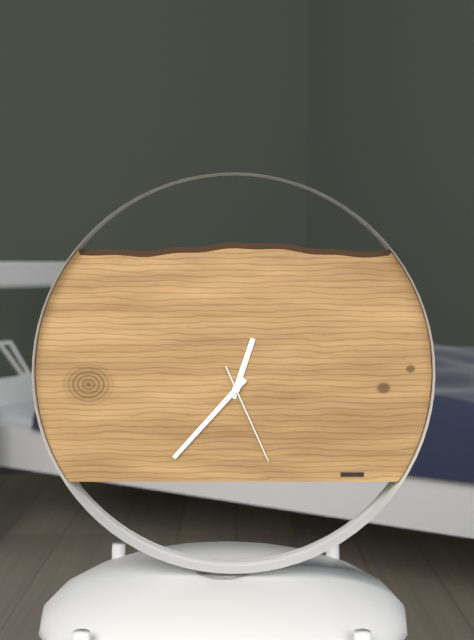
12,37,26
